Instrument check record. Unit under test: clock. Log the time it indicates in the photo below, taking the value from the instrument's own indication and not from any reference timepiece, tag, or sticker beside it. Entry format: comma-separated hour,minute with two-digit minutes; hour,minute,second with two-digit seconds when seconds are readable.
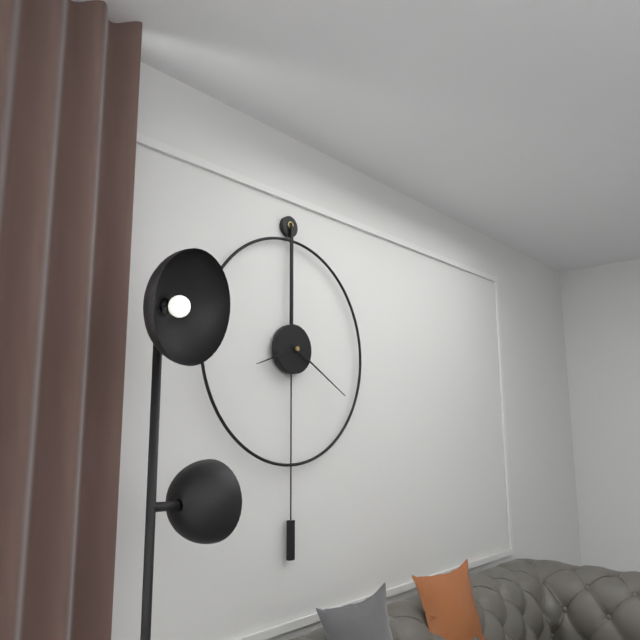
8,20
